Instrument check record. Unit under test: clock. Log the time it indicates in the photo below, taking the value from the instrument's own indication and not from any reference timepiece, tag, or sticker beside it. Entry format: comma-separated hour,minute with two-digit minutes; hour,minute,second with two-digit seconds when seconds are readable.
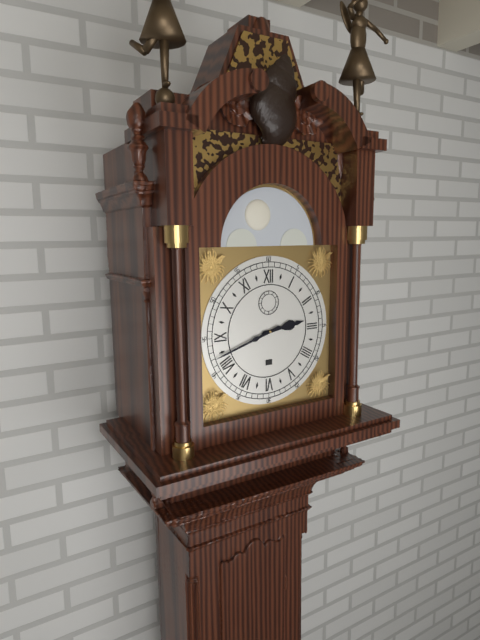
2,42
